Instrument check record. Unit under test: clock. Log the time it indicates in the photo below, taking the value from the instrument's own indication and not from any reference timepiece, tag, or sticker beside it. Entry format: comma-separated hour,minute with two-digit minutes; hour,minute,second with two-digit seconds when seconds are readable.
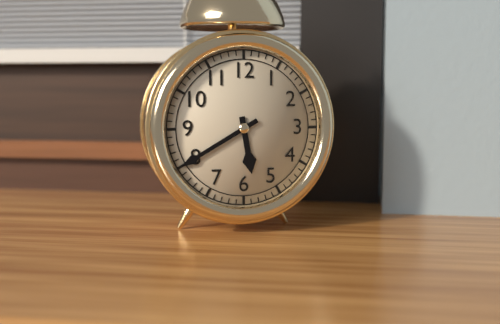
5,40
